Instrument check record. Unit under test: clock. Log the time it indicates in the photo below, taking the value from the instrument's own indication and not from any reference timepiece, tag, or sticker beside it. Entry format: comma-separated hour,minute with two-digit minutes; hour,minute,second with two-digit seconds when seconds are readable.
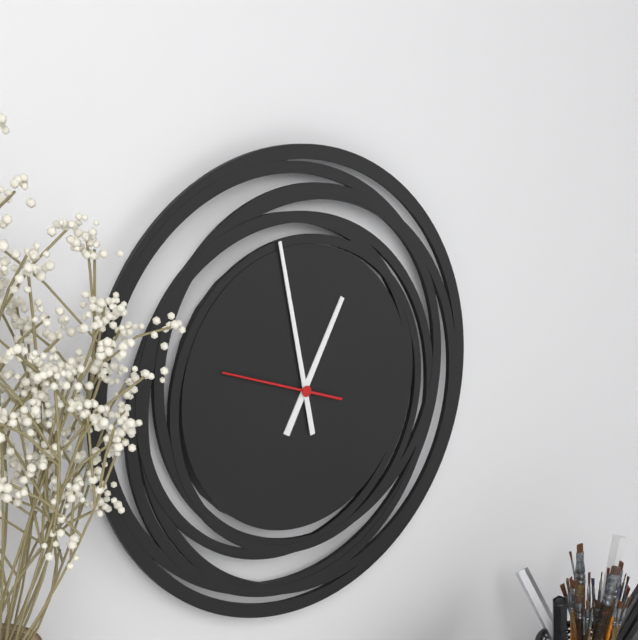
12,58,48
